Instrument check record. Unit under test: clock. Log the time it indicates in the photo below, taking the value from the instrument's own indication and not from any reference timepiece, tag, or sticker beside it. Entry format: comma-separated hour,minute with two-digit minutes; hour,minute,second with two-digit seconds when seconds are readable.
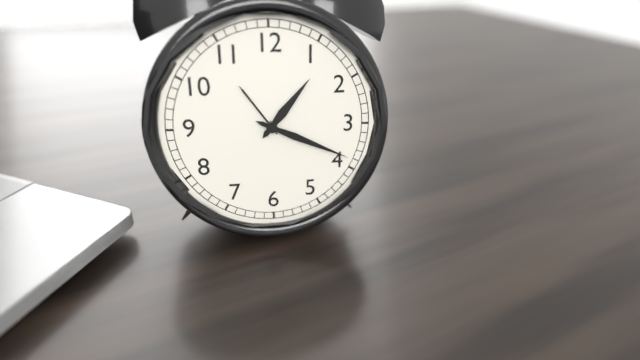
1,19
